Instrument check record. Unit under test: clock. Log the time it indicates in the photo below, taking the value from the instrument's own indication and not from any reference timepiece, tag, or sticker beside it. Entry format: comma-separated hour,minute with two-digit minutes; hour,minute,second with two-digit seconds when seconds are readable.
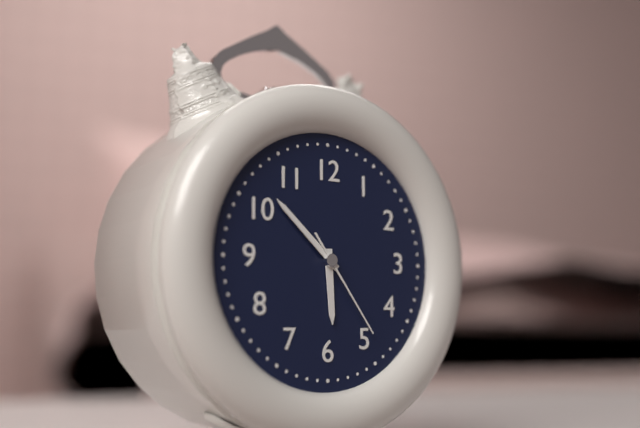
5,52,24
